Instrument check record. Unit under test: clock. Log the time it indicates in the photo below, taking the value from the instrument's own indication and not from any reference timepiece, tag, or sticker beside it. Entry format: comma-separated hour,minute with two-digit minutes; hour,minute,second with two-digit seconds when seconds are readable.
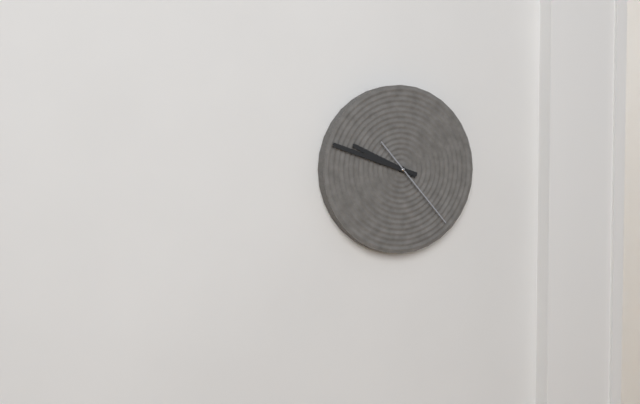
9,48,23
